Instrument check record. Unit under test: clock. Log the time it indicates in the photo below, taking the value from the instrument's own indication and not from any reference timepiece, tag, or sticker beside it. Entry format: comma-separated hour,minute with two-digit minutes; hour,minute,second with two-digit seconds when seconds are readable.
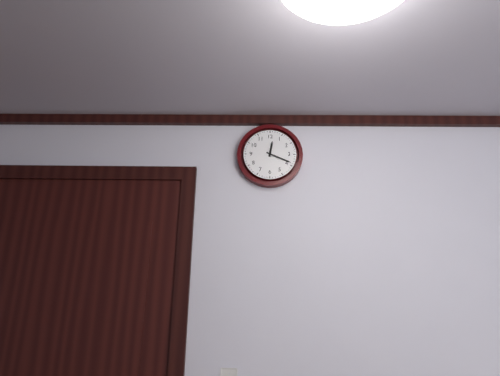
12,19
